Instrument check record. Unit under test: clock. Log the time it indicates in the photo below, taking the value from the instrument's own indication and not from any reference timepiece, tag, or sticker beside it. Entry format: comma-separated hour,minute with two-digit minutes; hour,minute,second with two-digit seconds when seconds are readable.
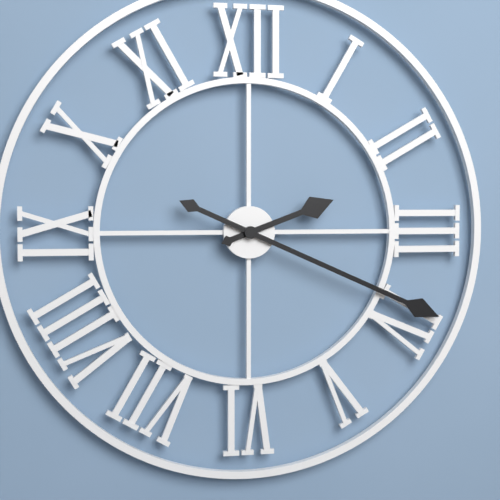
2,19
